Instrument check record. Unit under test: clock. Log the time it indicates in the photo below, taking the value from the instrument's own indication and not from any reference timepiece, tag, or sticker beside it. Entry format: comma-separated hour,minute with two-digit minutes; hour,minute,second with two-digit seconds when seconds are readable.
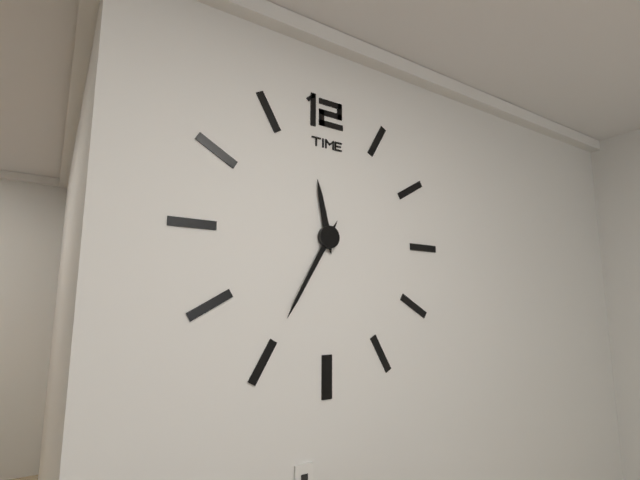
11,35
